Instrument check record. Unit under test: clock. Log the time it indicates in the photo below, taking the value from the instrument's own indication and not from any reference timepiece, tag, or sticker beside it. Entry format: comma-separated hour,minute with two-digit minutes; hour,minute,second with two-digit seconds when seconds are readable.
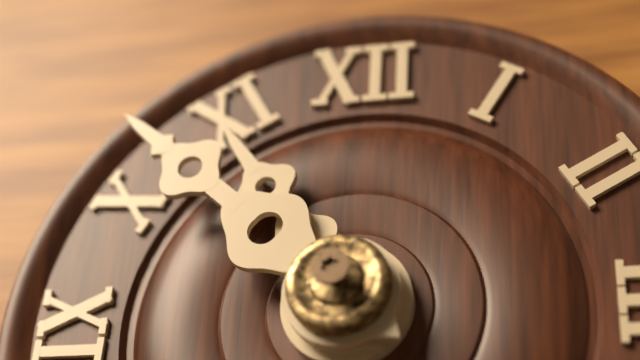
10,52
